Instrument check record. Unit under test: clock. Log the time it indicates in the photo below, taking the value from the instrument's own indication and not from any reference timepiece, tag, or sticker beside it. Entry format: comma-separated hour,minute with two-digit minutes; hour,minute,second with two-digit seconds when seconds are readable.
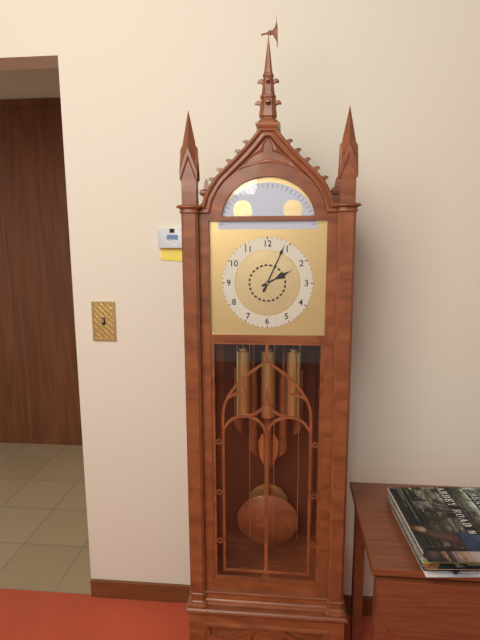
2,04
